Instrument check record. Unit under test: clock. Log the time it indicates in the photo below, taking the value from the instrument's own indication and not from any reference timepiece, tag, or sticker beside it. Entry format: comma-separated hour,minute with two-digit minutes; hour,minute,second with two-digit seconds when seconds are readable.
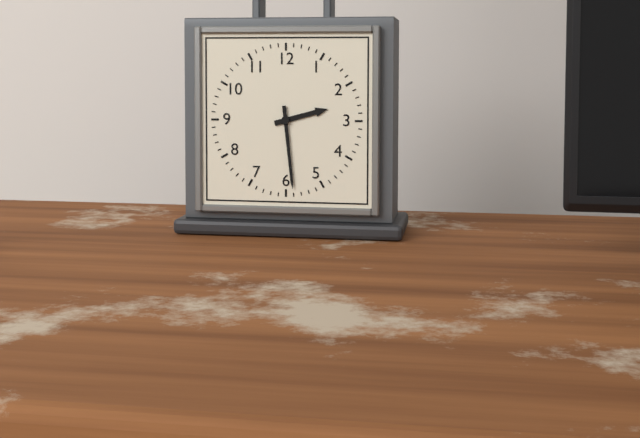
2,29
